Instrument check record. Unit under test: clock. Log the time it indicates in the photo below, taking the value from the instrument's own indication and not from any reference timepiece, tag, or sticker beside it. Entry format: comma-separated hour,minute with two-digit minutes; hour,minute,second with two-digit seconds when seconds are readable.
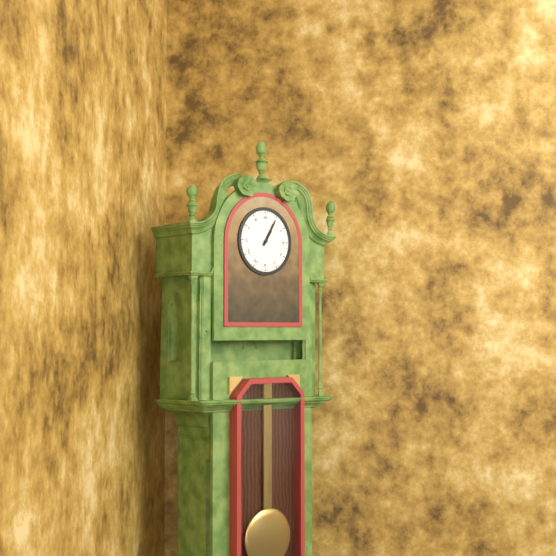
1,05
